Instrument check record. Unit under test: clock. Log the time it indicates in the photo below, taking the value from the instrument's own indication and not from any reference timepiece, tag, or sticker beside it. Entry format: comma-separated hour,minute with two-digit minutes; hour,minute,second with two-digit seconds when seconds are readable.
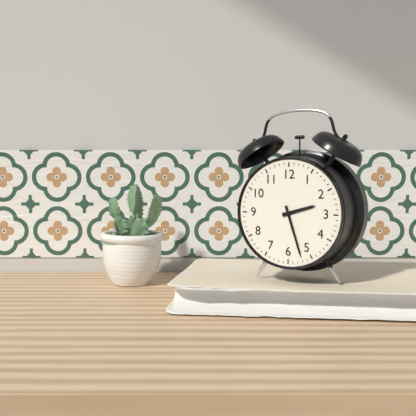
2,27
